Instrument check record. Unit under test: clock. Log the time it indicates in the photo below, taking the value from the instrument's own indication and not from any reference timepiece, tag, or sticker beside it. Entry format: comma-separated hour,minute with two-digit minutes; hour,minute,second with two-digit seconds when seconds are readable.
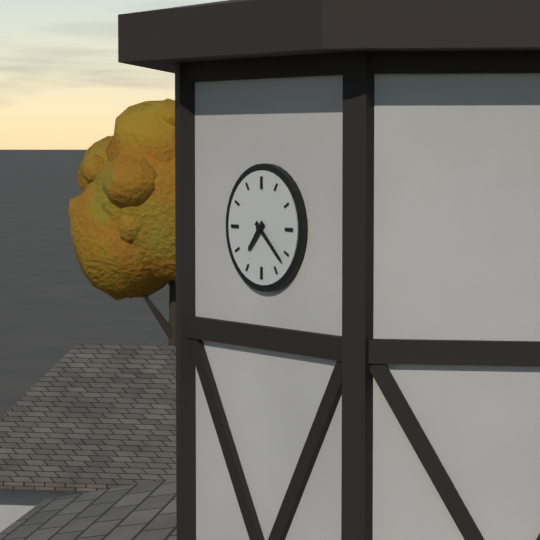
7,22
